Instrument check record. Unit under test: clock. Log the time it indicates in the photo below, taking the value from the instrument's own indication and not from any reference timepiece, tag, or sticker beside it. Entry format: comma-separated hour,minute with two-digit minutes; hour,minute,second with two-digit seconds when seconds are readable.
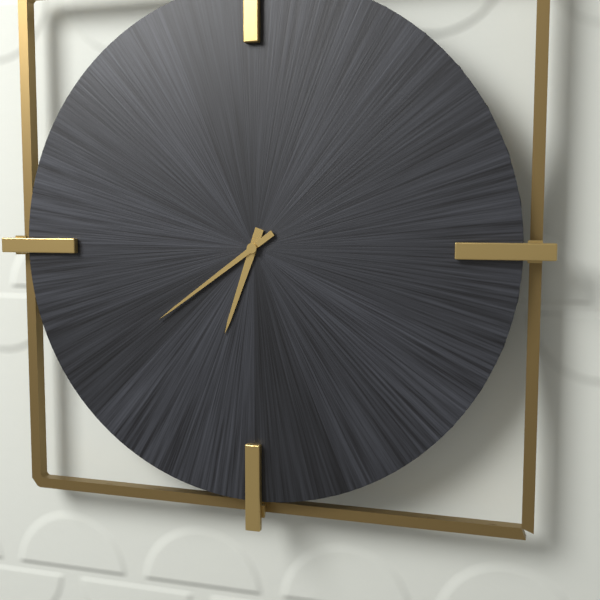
6,39
